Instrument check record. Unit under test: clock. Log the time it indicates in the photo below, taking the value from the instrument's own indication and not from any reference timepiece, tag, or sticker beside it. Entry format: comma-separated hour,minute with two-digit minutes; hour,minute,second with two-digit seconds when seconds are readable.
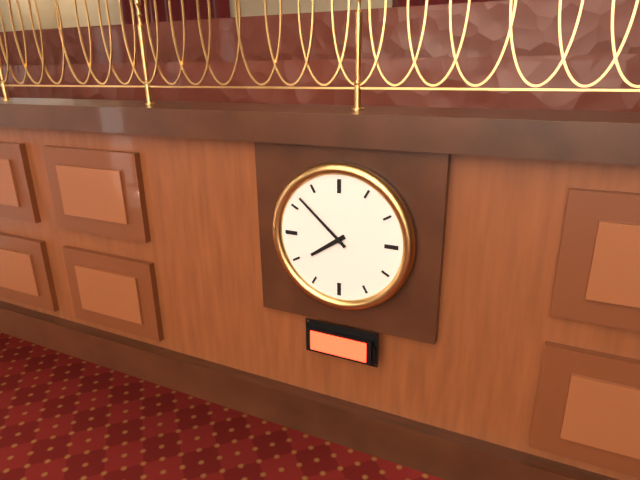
7,52
